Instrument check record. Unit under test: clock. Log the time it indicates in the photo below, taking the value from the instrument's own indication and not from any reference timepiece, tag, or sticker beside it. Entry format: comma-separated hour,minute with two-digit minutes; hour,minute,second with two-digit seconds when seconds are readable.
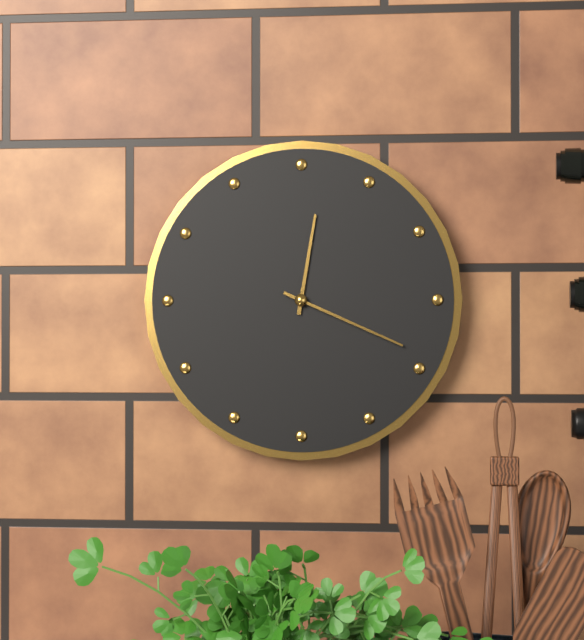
12,19
